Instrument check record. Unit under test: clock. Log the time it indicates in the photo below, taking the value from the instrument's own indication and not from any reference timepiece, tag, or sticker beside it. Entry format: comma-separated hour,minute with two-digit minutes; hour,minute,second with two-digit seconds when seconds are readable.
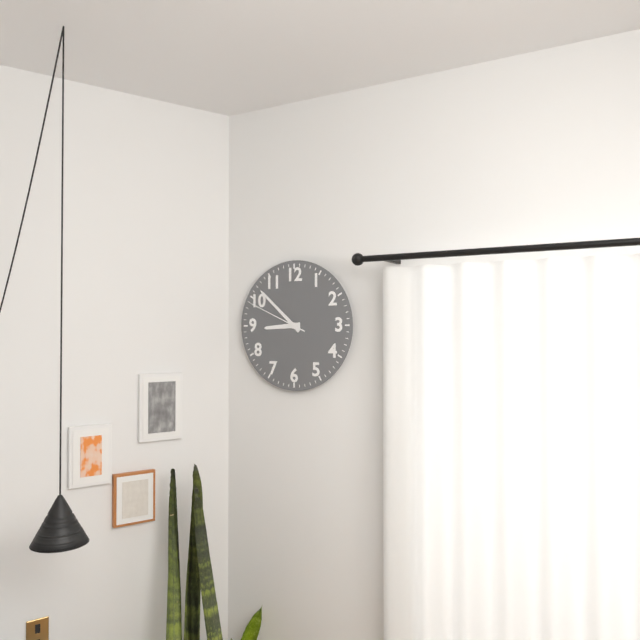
8,52,49
